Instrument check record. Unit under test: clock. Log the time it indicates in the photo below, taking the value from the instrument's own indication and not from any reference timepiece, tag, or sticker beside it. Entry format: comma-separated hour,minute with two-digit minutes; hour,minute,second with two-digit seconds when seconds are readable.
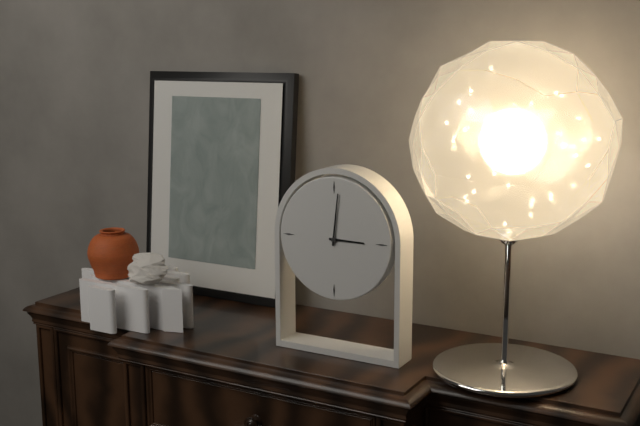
3,01
